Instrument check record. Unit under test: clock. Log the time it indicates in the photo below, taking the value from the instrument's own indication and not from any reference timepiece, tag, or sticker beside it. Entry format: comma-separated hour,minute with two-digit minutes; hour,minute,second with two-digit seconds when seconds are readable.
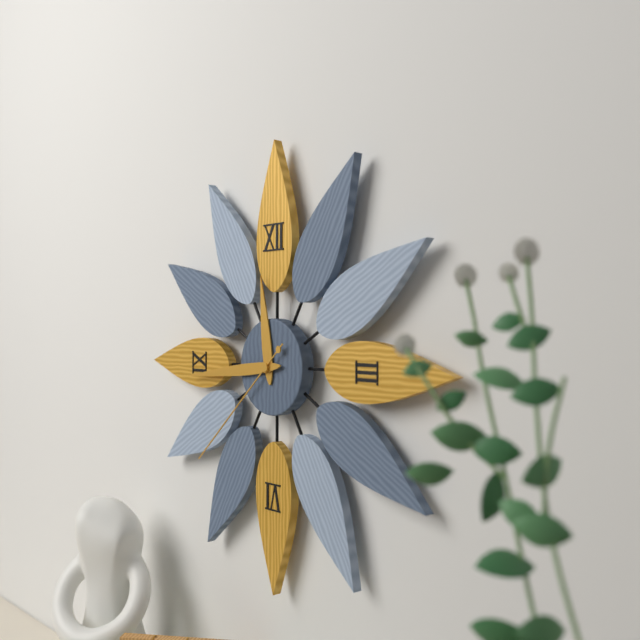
11,44,38
